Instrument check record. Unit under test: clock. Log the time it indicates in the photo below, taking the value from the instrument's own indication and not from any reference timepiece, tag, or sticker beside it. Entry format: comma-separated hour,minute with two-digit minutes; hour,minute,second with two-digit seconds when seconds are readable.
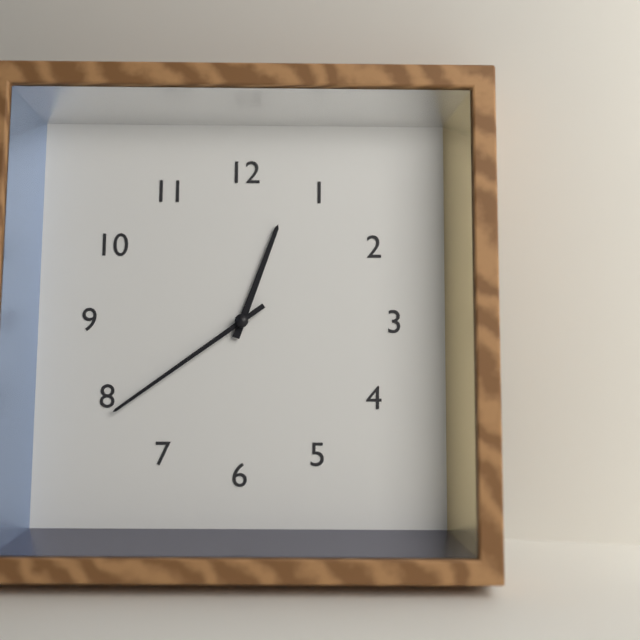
12,39
